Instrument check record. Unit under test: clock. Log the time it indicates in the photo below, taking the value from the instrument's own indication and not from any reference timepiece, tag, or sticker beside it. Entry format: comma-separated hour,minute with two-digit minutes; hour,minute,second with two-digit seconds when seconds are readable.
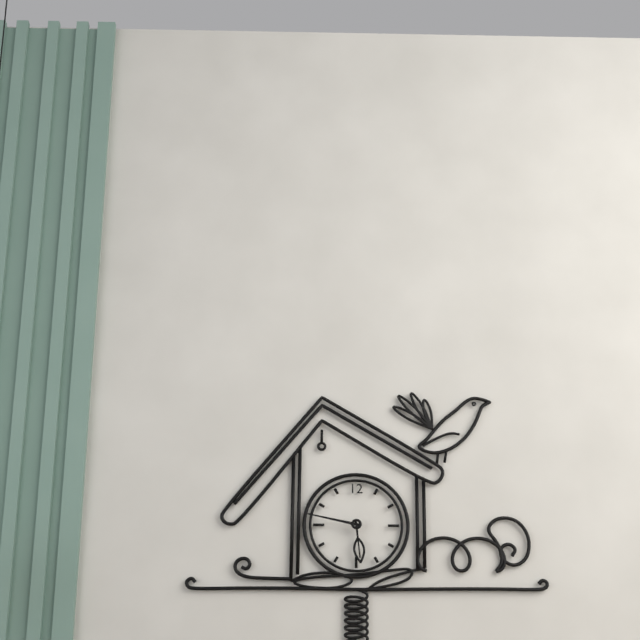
5,47
